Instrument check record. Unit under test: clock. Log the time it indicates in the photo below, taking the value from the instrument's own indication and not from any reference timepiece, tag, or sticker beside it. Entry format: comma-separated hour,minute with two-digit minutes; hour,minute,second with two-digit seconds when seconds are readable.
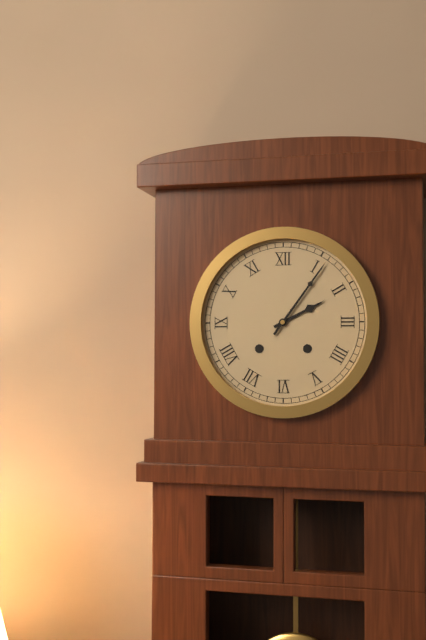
2,06
